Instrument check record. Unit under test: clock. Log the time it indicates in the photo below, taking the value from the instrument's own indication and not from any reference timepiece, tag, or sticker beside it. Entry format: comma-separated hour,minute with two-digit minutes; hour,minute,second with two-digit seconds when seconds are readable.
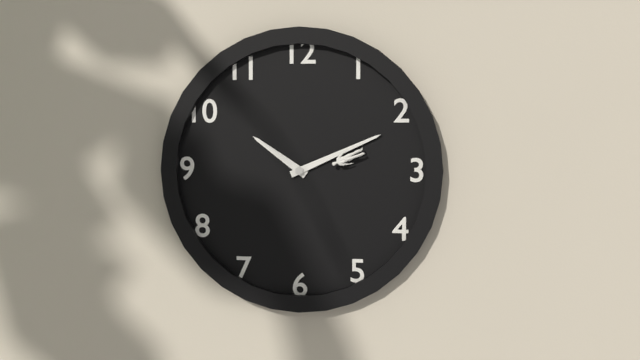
10,11
